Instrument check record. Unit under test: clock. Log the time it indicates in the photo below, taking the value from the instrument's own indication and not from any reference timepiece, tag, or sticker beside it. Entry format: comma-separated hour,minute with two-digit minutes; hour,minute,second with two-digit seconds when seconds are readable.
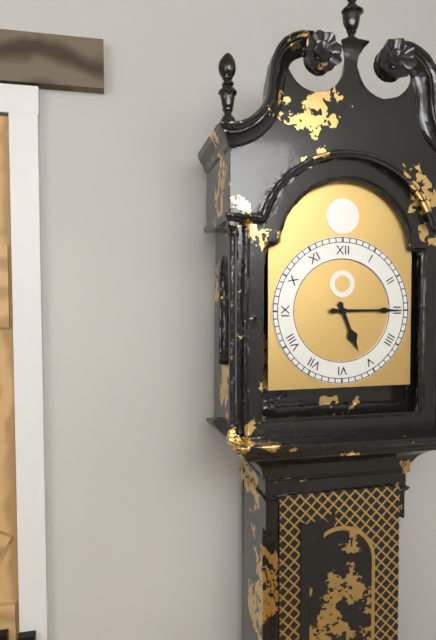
5,15
